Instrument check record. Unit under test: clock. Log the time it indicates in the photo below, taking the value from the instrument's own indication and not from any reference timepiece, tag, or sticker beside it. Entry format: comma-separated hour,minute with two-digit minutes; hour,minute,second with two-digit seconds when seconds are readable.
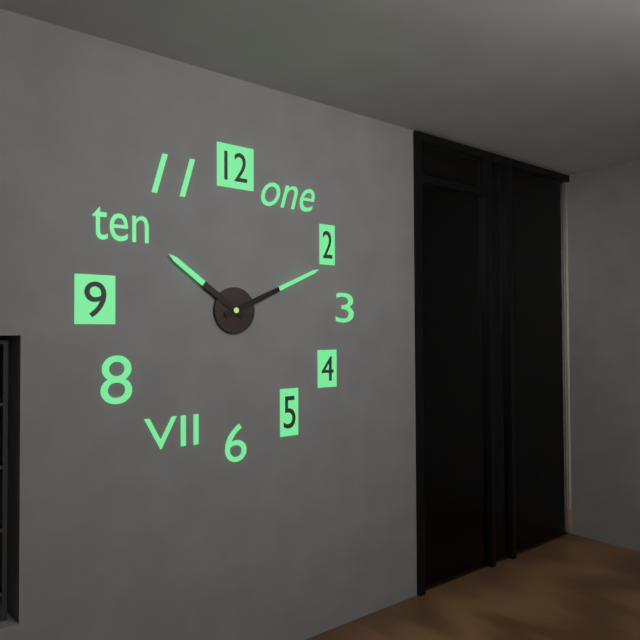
10,11
